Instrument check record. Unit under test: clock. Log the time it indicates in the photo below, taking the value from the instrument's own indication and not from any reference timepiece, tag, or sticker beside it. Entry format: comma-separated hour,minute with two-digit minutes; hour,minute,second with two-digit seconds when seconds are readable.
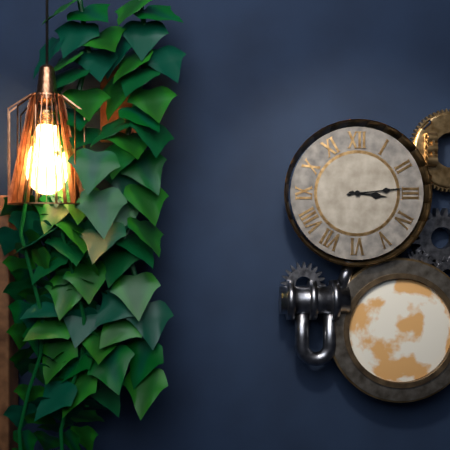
3,14
